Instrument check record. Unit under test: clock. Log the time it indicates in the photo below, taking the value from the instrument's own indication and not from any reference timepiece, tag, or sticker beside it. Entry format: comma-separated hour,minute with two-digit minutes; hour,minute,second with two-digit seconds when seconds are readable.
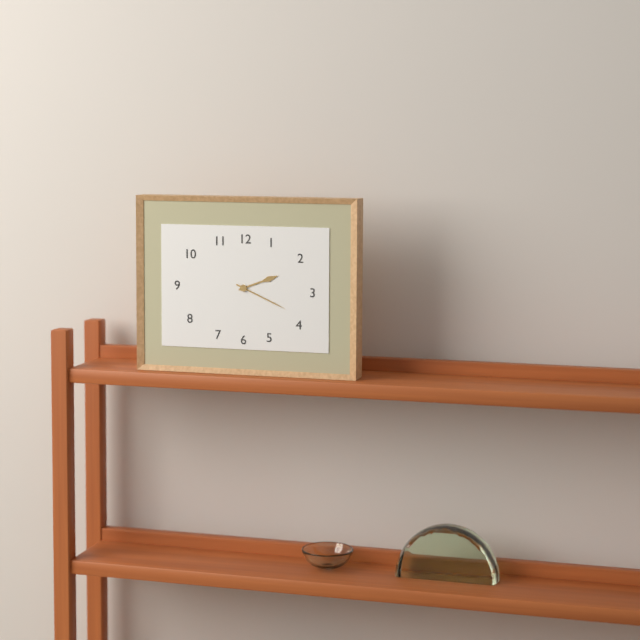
2,19
